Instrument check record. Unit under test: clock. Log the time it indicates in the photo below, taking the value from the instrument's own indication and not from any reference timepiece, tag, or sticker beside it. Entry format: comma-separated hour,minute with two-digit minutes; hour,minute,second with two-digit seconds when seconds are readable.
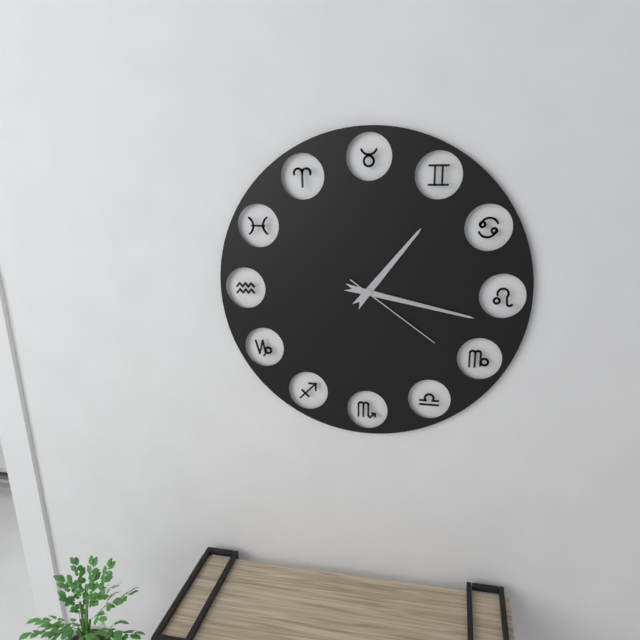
1,17,21
